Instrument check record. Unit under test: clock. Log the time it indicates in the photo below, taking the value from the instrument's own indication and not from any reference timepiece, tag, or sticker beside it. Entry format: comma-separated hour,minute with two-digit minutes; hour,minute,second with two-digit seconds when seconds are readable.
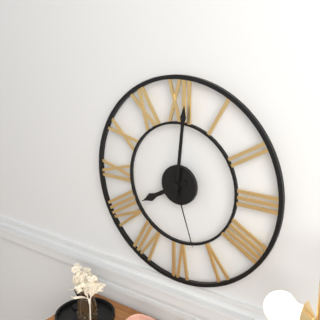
8,01,27
